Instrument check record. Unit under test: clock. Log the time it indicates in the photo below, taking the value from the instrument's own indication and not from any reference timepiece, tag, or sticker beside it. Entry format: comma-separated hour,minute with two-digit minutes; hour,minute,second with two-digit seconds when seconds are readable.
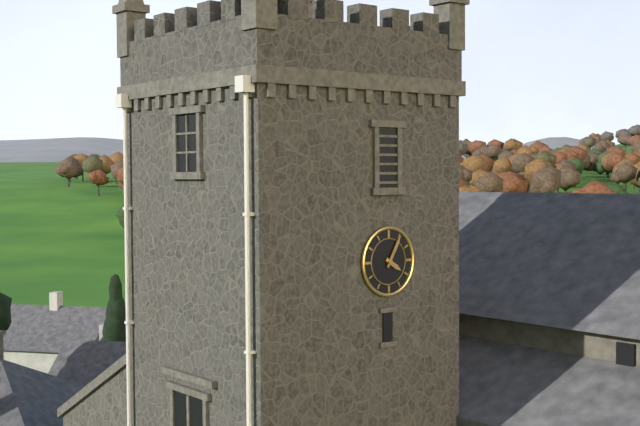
4,05
